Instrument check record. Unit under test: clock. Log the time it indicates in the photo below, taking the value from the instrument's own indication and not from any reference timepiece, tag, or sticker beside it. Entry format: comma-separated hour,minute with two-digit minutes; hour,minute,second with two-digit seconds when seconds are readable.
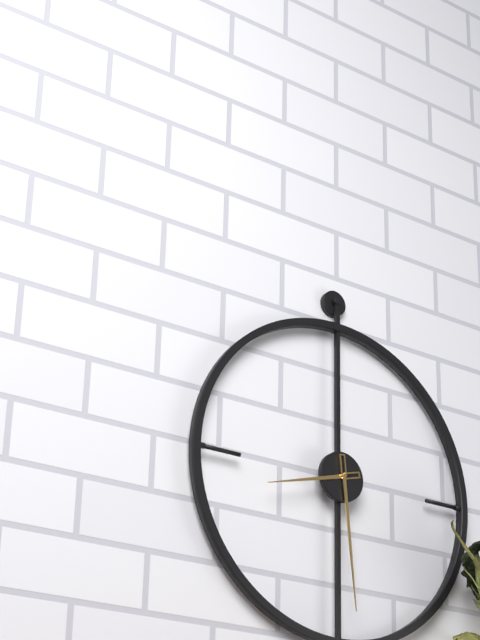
8,29
